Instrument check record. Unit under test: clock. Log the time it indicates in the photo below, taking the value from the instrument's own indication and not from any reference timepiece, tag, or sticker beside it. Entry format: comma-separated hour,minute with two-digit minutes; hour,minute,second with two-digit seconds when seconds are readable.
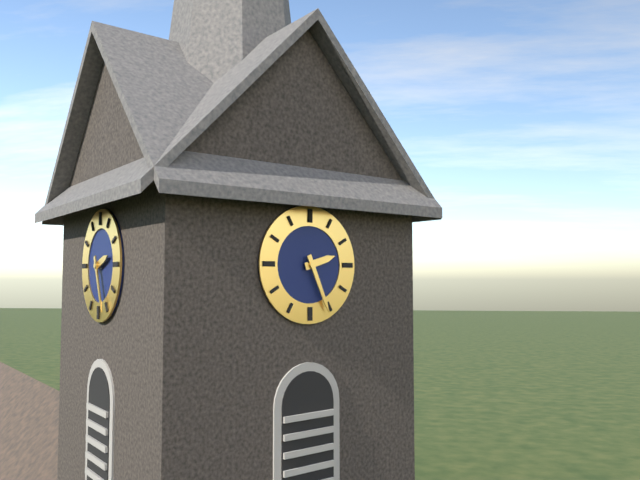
2,26
